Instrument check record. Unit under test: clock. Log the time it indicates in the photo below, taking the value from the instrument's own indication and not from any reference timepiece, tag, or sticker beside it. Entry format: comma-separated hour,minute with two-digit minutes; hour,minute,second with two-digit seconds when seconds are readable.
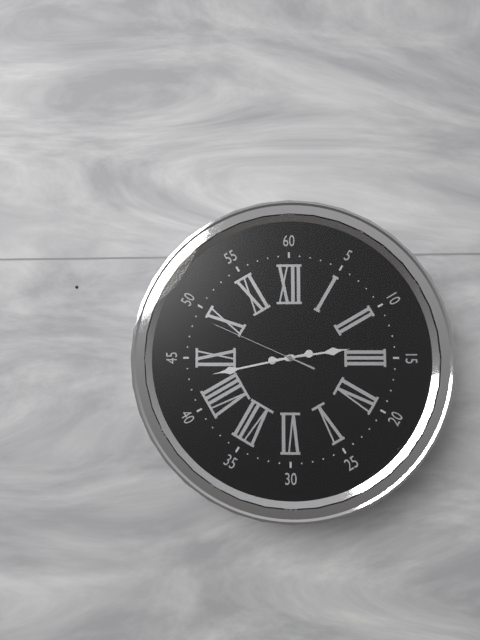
2,43,49
